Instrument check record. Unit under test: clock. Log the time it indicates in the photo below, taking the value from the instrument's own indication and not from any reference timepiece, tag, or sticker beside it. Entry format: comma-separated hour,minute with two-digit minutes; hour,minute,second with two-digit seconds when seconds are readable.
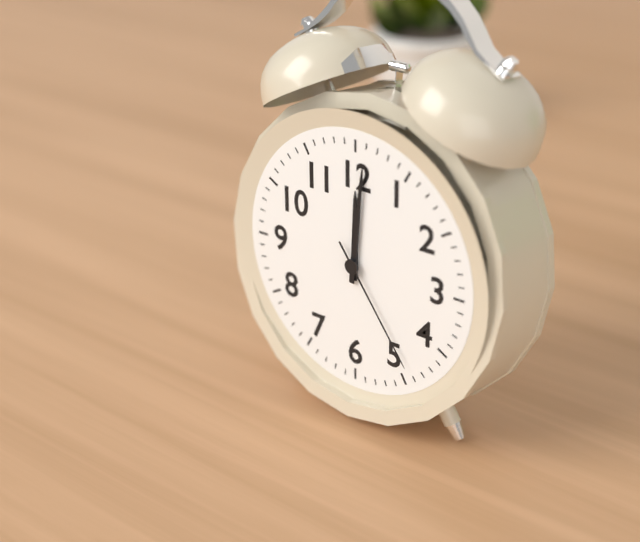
12,01,24
